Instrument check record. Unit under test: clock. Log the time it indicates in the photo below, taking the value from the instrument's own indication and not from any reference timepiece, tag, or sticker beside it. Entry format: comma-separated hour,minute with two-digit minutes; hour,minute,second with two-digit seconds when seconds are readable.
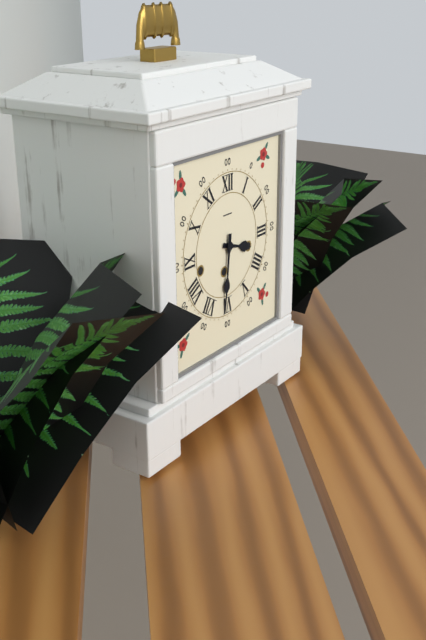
3,31
